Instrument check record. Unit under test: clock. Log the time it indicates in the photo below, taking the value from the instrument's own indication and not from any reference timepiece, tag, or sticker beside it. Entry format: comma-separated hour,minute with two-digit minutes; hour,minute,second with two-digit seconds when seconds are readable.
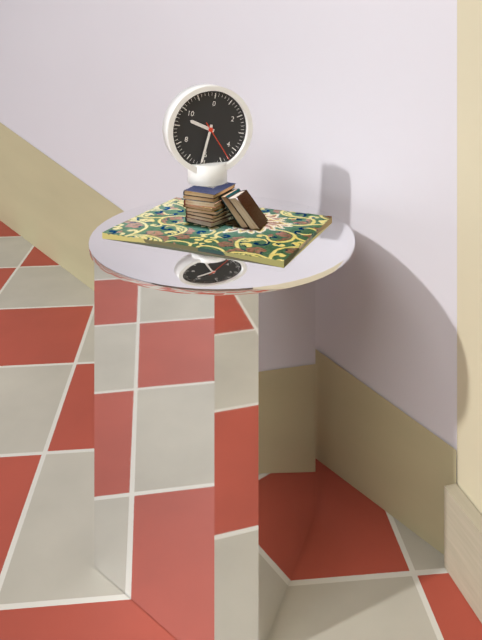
9,31
